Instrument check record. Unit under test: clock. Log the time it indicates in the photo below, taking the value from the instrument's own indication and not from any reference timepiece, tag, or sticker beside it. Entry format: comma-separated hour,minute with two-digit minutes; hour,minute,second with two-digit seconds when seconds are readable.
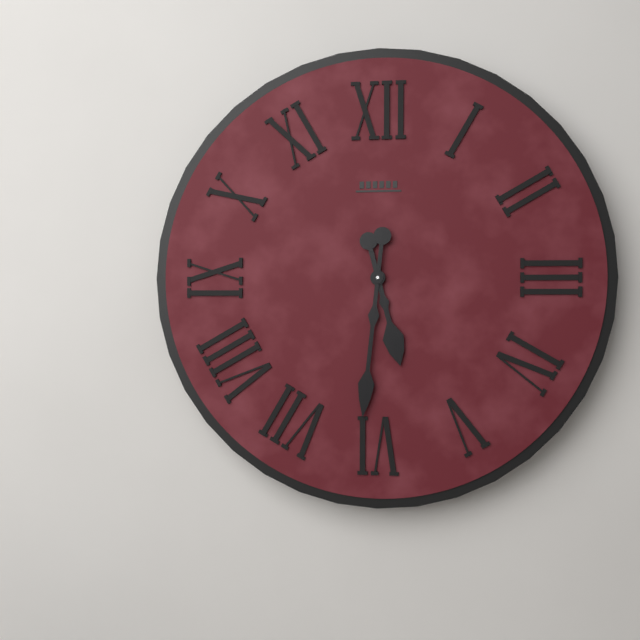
5,31
